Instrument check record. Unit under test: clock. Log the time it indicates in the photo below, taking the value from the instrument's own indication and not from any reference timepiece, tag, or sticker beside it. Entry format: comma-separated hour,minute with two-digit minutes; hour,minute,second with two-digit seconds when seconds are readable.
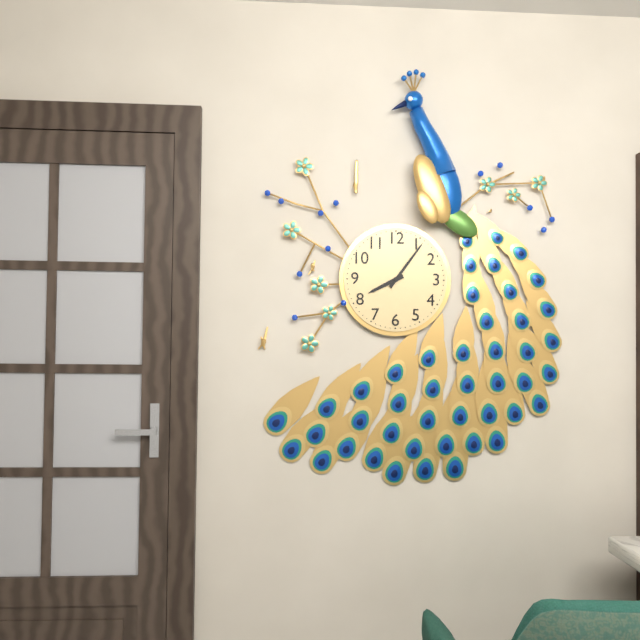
8,06
